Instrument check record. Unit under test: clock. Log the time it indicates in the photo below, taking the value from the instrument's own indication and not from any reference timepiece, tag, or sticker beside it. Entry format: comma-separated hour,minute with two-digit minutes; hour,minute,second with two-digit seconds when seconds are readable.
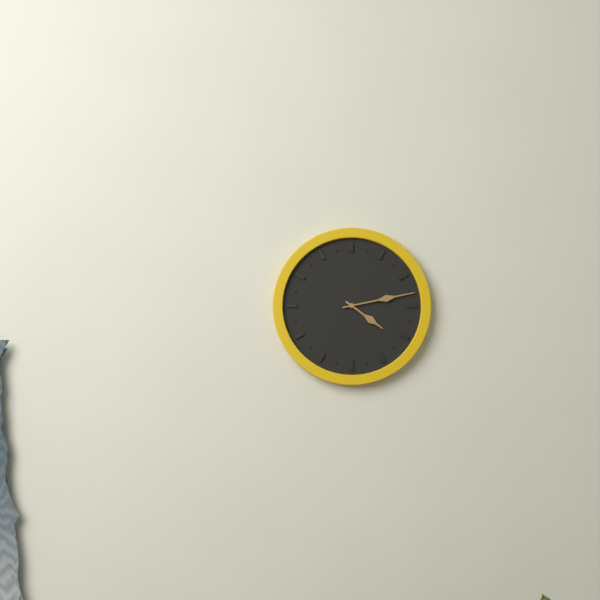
4,13
